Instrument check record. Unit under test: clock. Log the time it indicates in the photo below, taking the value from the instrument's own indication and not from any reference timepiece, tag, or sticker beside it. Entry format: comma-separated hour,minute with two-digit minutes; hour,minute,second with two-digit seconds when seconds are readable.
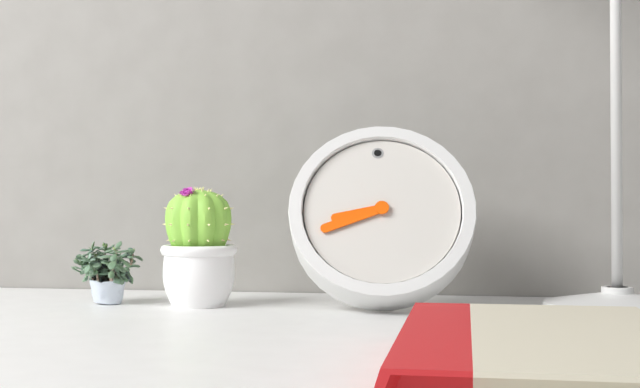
8,42
